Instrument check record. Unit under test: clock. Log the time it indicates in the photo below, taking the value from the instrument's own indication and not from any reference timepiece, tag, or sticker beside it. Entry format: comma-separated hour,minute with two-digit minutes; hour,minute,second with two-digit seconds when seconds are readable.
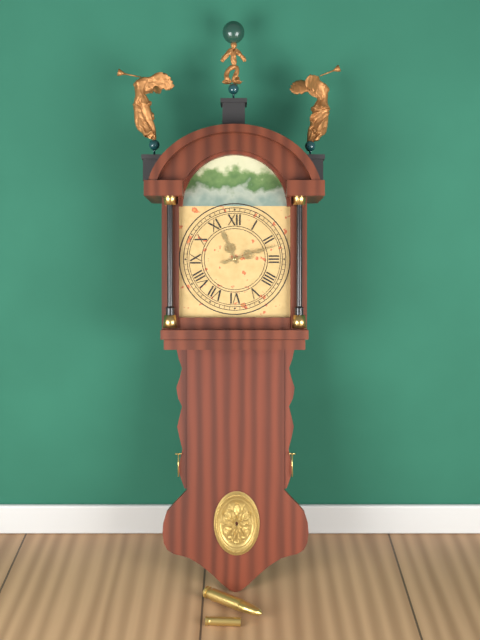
11,12
